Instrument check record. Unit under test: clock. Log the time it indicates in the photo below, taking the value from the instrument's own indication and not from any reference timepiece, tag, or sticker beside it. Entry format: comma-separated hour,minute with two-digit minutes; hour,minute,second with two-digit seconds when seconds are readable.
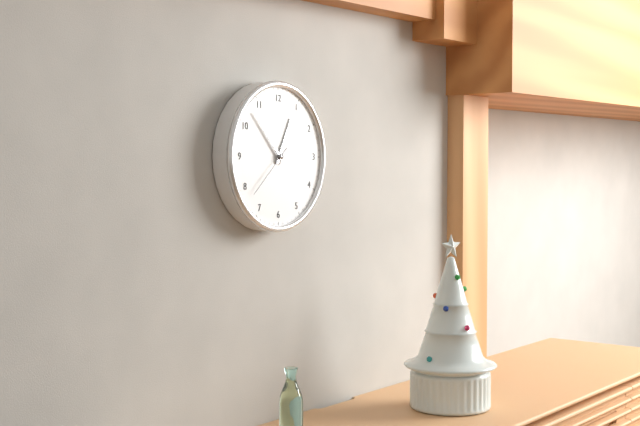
12,53,38
